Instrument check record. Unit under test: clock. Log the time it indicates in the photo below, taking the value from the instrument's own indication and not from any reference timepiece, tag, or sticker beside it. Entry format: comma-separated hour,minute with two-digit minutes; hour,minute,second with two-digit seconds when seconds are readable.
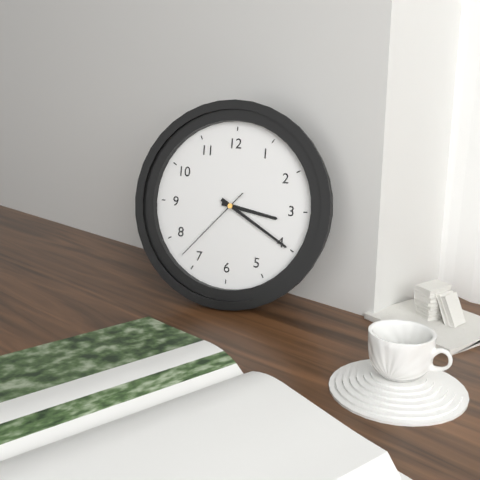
3,20,37
